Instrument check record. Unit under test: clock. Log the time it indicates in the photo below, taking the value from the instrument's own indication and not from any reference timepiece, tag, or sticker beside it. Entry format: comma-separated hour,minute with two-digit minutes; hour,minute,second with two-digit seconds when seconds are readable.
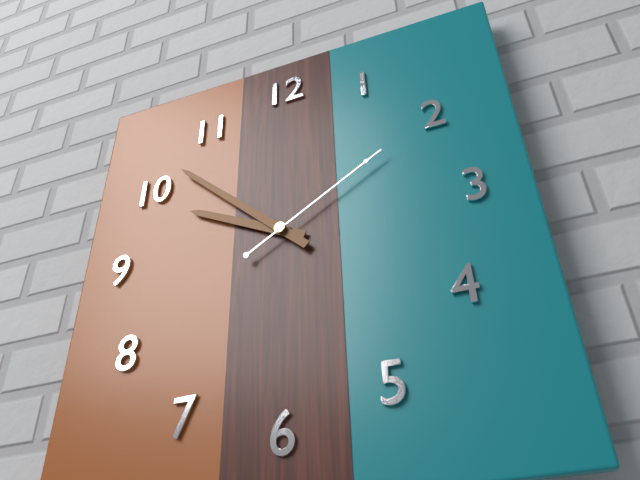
9,52,10
